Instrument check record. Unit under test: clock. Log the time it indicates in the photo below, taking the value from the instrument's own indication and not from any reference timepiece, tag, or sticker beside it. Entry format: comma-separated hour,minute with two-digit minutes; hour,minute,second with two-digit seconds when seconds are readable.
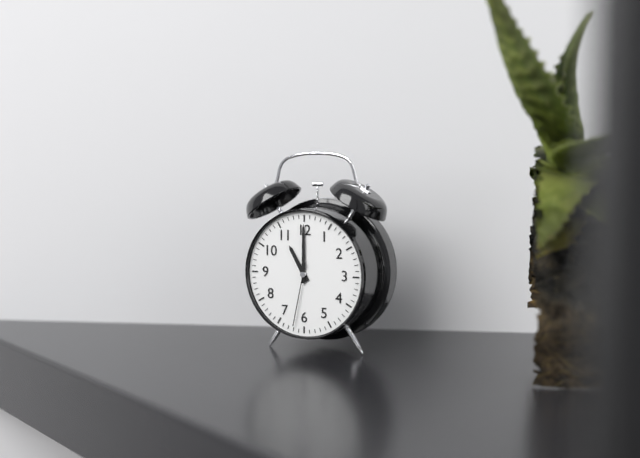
11,00,32
